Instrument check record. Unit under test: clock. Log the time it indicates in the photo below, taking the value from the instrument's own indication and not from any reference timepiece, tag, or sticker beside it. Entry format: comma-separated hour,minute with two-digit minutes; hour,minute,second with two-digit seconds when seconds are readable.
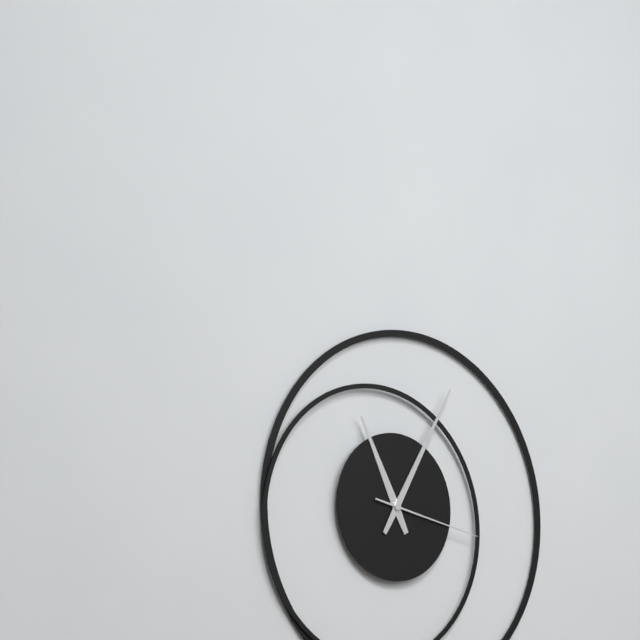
11,05,17
